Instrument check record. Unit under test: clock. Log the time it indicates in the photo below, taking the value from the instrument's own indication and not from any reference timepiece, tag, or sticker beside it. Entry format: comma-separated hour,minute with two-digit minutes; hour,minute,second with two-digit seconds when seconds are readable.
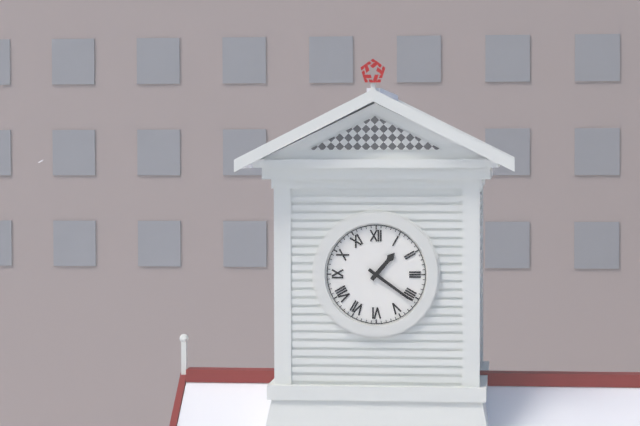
1,21
